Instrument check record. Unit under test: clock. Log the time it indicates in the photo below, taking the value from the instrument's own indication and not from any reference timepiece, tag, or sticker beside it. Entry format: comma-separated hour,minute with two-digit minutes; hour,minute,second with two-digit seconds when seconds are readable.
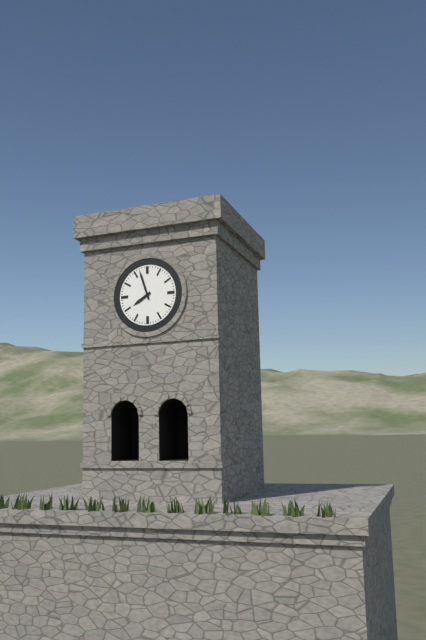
7,57
